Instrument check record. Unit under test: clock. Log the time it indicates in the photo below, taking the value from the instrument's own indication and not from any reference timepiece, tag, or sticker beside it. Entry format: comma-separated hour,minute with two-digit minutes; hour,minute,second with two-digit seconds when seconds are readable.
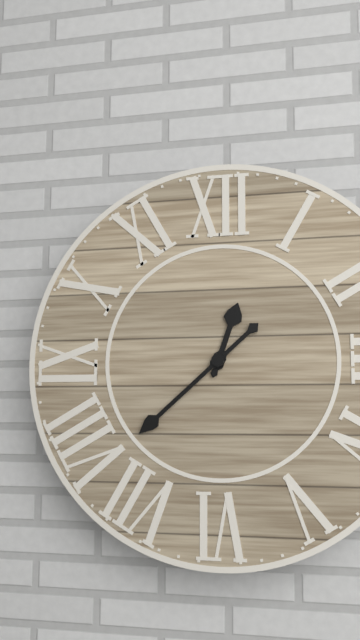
12,38
